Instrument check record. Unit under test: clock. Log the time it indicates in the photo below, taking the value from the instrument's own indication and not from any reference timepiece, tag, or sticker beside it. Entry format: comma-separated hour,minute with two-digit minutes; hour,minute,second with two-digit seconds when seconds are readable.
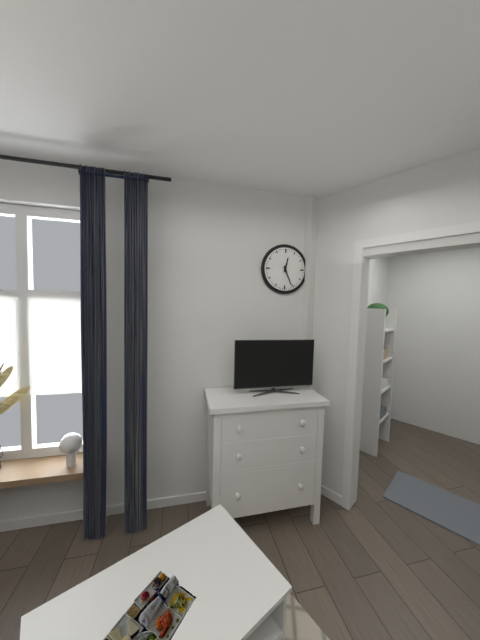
12,26
